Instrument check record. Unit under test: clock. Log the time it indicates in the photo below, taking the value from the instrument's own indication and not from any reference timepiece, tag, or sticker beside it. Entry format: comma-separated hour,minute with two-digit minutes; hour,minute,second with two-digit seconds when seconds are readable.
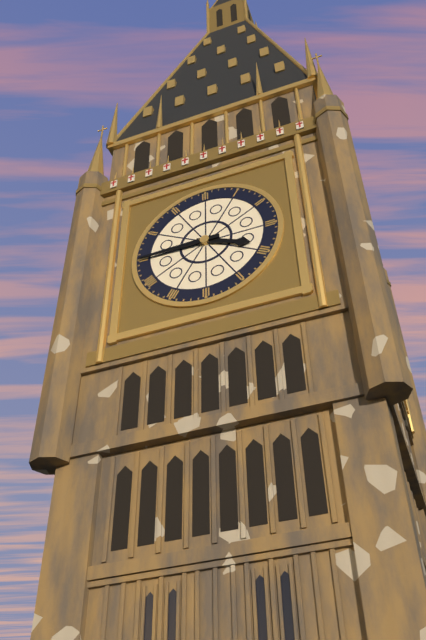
3,45
